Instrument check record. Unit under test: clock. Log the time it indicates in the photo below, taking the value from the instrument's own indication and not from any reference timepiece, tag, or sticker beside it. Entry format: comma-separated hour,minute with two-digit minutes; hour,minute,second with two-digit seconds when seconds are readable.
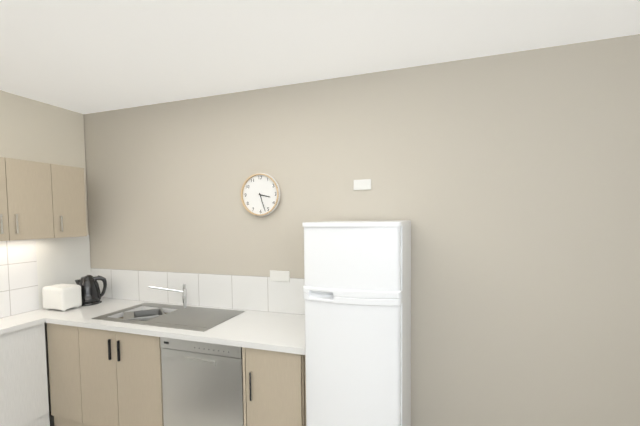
3,27
